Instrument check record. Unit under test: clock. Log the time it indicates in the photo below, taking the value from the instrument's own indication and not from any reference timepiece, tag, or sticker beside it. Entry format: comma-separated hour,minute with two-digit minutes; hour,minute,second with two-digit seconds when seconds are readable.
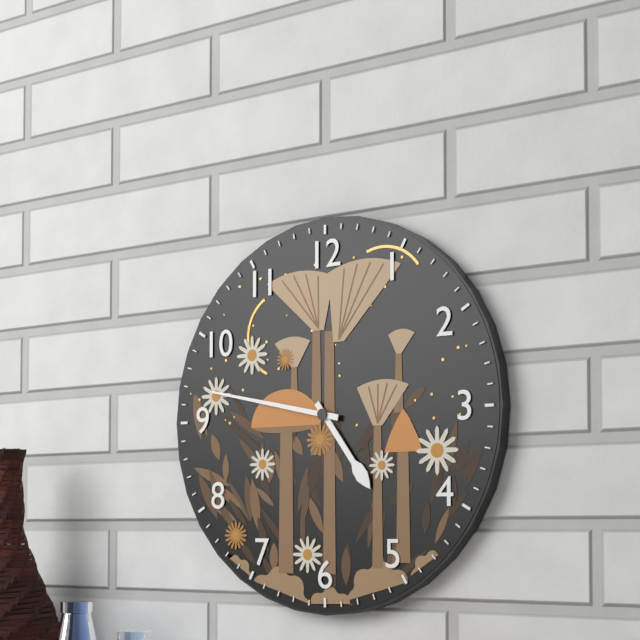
4,47
